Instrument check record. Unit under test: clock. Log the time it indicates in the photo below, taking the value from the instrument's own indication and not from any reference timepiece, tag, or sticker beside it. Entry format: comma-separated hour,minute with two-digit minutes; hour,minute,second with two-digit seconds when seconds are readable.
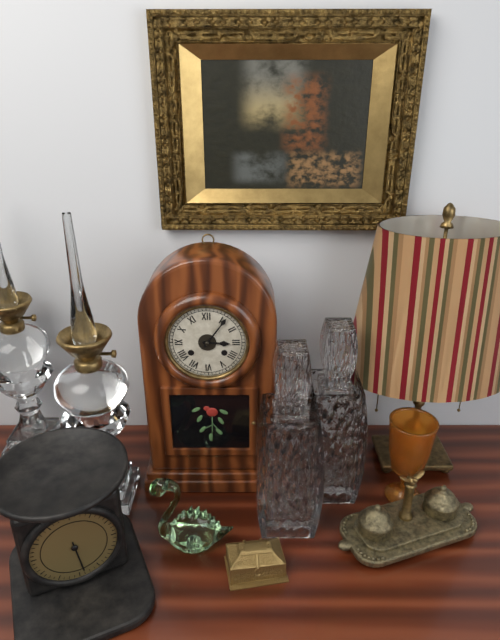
3,06
